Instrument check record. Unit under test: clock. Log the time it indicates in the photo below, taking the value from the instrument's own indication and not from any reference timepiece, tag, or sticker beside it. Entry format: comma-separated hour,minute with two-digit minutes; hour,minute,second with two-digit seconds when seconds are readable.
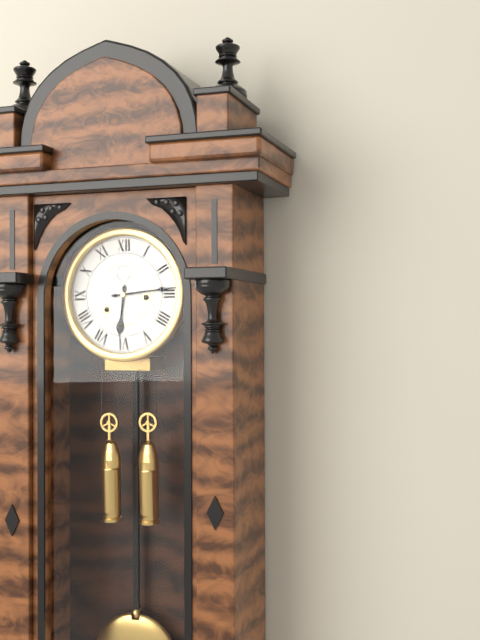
6,14
